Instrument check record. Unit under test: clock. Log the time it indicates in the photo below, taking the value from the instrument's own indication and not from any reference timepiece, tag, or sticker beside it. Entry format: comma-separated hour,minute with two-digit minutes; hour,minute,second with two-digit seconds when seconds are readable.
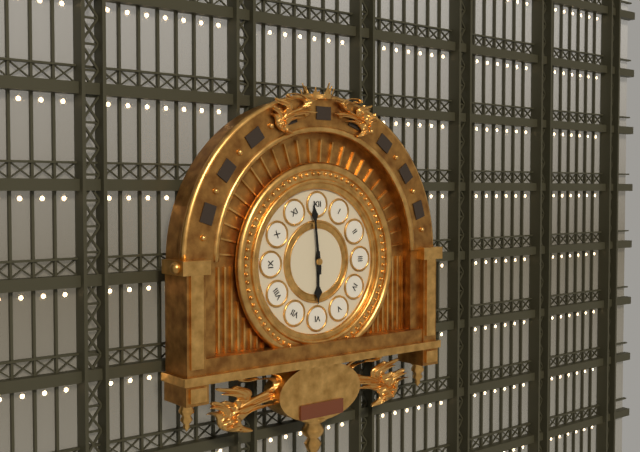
5,59
